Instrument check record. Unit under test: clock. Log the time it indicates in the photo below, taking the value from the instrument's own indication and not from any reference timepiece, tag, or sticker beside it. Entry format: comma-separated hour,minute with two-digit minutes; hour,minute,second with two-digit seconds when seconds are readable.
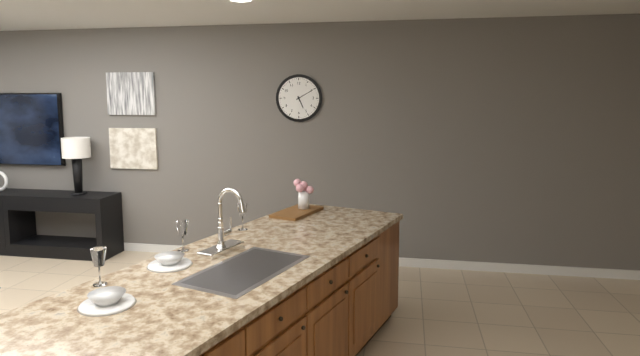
5,10
